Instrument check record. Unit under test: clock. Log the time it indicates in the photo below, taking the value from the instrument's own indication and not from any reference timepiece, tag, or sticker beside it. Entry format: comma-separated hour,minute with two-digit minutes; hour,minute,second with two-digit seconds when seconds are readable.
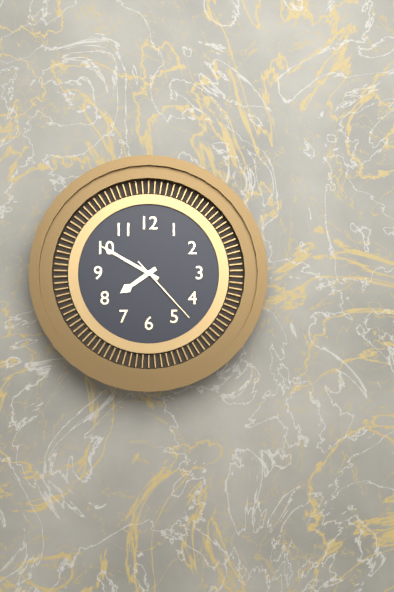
7,50,23
